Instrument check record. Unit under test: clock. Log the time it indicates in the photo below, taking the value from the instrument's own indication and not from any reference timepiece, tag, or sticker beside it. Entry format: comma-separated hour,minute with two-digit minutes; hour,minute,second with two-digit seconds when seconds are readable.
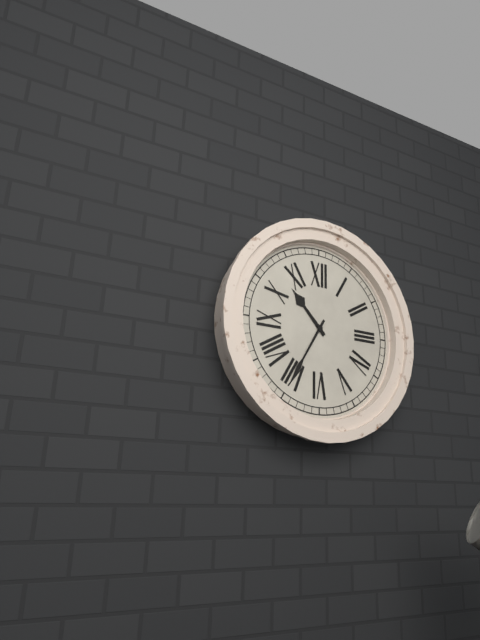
10,35
